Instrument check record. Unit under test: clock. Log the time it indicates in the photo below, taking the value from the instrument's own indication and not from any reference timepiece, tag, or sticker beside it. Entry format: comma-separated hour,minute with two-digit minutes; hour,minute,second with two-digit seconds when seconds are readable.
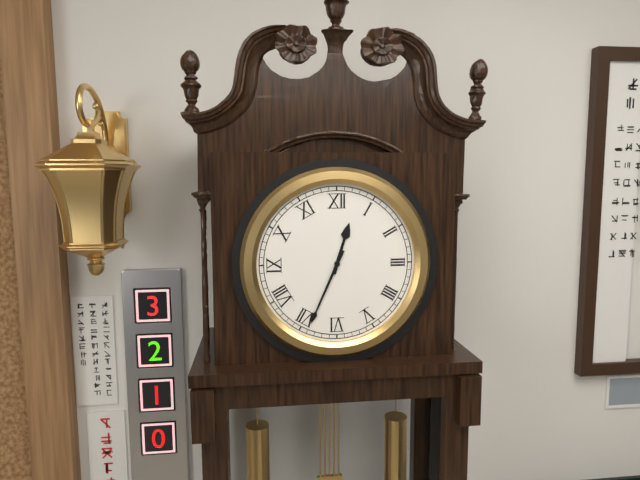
12,34
